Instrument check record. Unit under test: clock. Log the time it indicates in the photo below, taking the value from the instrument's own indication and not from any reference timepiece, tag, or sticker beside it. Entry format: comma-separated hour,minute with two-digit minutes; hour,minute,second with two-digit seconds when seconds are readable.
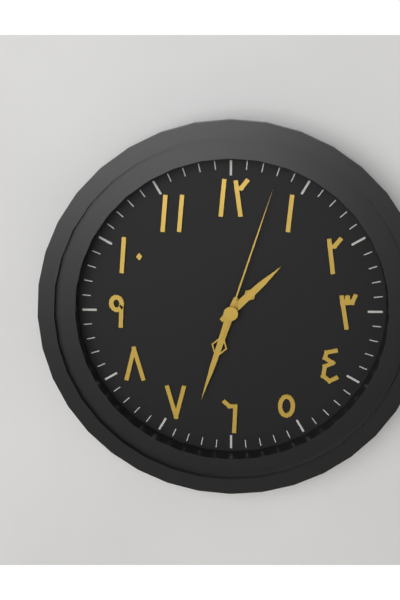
1,33,03
